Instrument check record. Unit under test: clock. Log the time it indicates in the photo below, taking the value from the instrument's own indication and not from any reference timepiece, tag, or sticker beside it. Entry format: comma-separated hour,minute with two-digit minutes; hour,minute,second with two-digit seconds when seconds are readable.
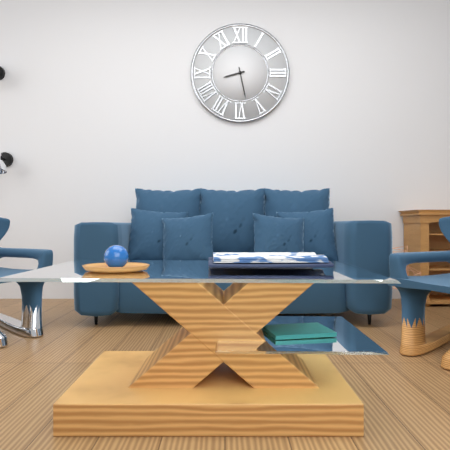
8,28
